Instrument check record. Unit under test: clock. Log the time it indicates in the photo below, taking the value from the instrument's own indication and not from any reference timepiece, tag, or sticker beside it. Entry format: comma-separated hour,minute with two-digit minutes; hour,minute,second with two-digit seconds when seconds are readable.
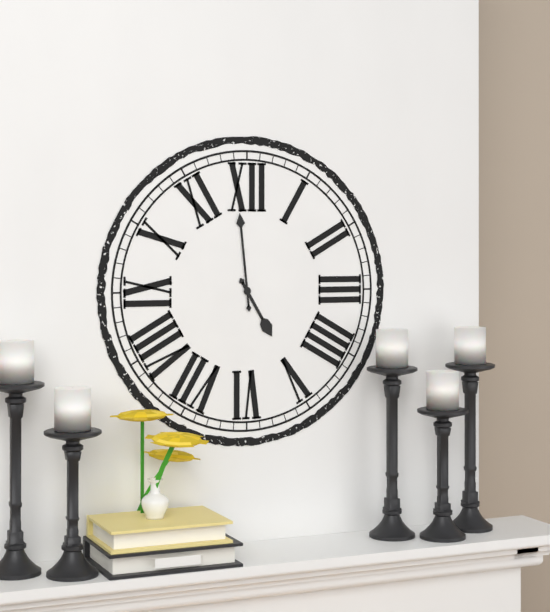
4,59
